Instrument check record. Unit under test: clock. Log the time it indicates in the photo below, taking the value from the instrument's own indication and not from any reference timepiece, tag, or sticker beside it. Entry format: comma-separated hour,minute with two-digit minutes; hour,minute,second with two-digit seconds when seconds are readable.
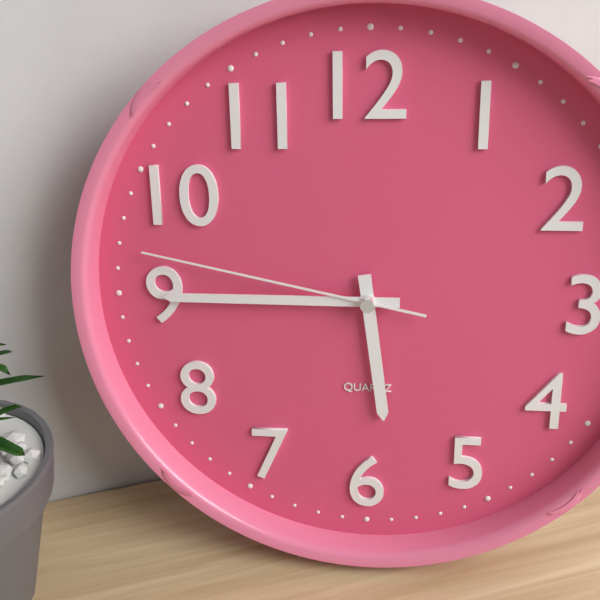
5,45,47
